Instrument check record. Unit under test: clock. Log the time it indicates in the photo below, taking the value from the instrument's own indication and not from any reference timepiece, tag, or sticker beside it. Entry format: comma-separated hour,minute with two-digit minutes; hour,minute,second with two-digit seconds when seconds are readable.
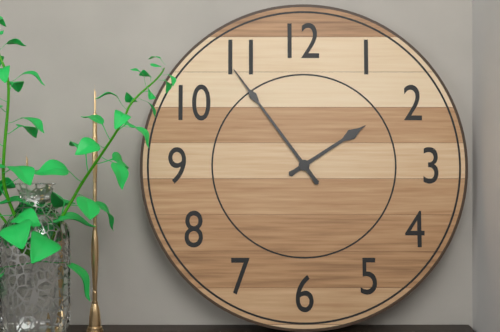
1,54
